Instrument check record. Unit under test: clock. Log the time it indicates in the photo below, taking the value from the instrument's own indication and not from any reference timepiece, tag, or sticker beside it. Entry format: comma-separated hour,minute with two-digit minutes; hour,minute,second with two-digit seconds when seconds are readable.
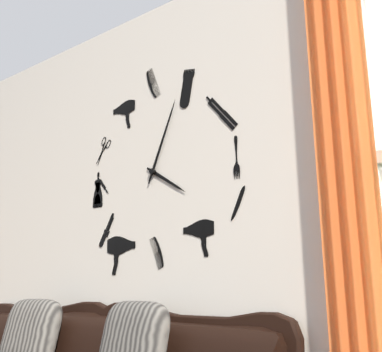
4,04
